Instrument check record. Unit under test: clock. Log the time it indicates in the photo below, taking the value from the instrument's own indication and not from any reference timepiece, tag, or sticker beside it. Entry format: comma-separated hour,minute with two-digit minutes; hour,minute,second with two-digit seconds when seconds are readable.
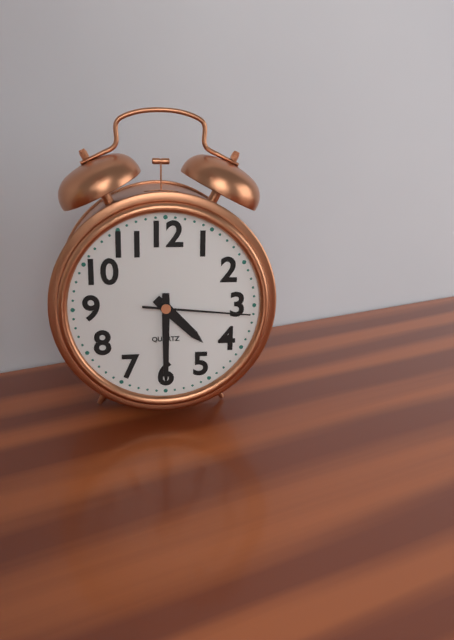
4,30,16
